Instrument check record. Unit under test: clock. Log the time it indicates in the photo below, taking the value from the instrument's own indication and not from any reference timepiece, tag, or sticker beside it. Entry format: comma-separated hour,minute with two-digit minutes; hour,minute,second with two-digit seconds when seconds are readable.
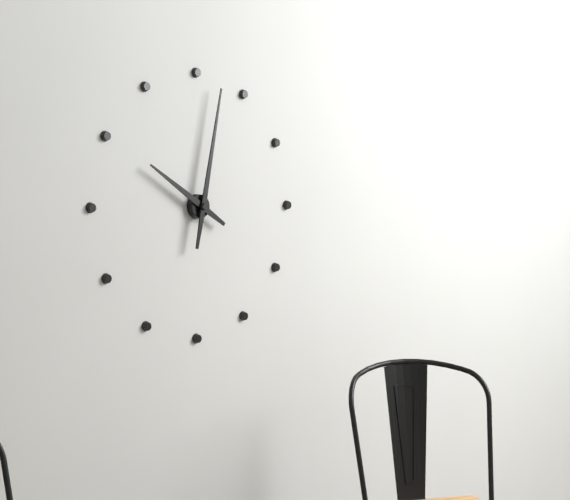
10,02
